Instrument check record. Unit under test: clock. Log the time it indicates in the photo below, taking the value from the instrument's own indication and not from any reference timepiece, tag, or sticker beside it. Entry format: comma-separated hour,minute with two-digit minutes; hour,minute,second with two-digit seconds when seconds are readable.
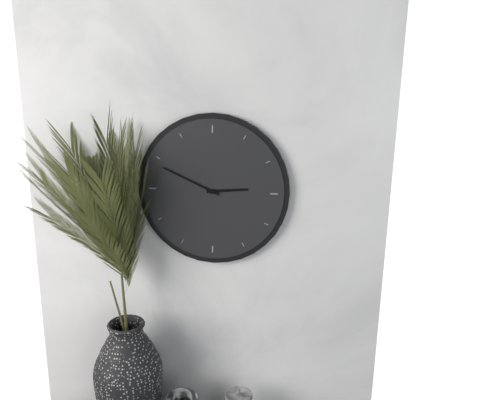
2,49
